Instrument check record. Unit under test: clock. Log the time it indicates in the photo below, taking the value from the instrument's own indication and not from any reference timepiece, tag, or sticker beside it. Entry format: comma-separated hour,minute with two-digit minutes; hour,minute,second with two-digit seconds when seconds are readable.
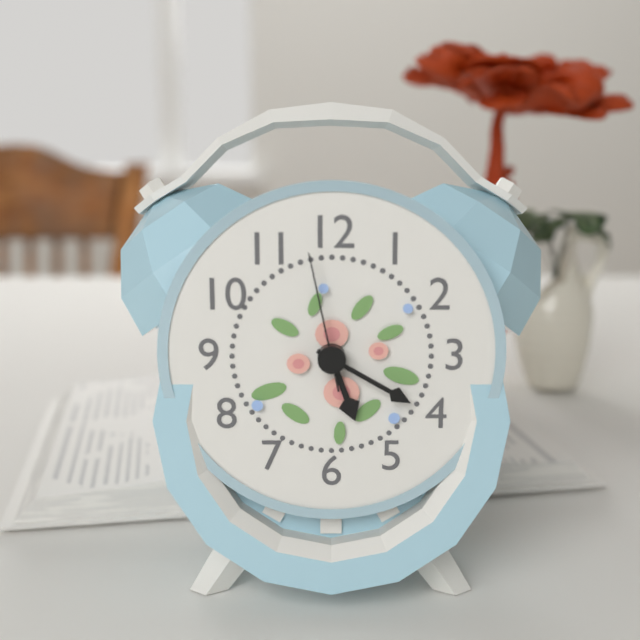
5,20,58
